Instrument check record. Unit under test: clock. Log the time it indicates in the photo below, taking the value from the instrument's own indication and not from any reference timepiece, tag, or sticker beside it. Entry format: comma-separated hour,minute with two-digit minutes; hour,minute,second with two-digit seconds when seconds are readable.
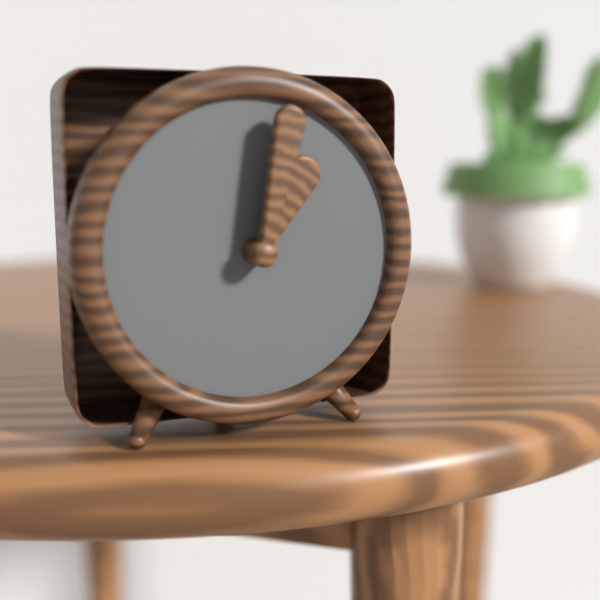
1,02
